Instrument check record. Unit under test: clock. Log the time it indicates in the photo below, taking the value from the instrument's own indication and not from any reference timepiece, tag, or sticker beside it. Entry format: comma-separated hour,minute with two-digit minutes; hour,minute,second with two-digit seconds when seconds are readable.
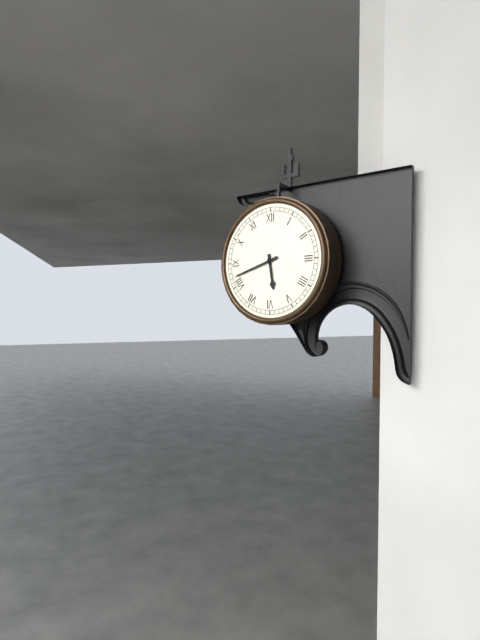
5,42
